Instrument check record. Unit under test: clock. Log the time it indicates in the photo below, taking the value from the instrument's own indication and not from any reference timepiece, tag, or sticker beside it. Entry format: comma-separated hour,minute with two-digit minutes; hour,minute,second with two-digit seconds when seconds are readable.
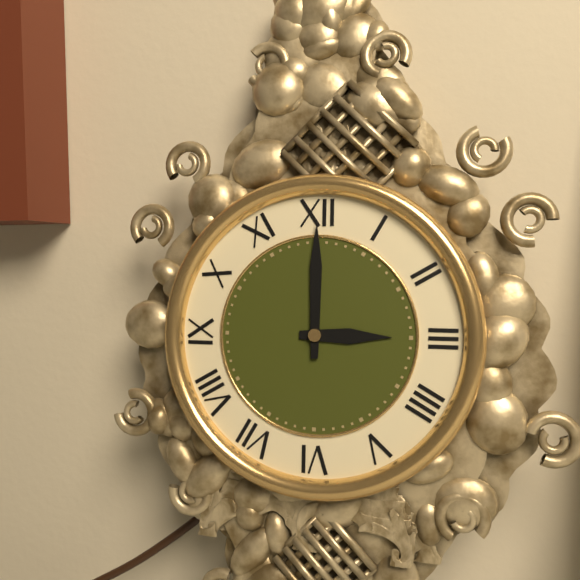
3,00
